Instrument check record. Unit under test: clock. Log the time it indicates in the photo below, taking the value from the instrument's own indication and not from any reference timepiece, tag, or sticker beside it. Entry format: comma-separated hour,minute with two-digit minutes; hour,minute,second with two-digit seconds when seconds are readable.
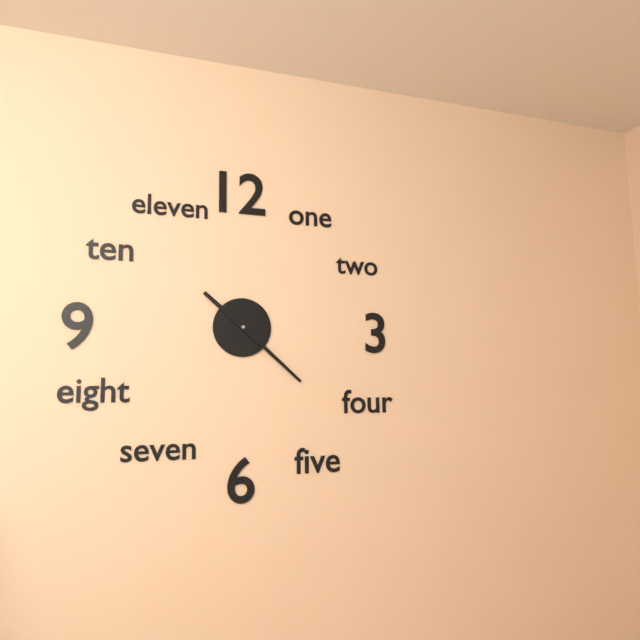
10,22
